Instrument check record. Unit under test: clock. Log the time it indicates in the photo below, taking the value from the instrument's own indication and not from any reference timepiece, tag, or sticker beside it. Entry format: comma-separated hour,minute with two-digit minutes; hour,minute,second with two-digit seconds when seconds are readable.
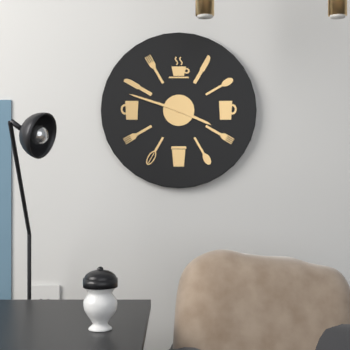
3,48
